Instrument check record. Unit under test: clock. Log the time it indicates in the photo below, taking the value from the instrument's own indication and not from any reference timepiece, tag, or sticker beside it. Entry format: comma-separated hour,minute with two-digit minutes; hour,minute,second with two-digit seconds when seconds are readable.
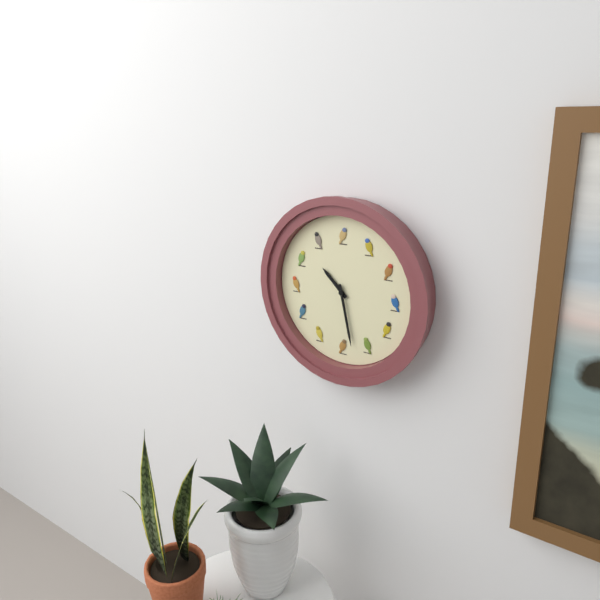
10,28
